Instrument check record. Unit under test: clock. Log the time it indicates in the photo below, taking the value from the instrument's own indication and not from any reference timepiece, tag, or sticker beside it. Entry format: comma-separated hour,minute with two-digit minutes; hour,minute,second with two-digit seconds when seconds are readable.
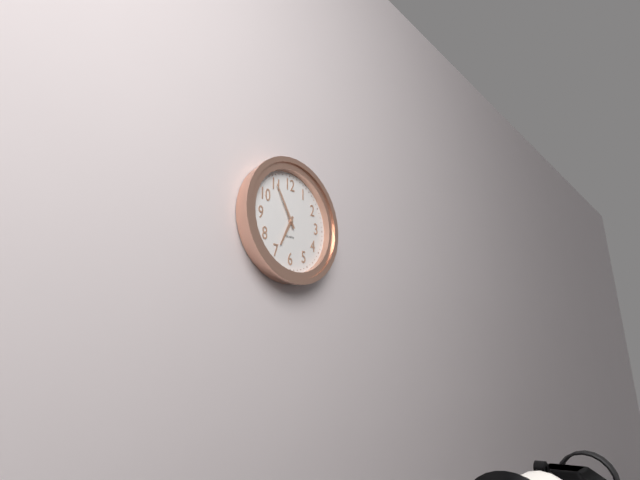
6,55
